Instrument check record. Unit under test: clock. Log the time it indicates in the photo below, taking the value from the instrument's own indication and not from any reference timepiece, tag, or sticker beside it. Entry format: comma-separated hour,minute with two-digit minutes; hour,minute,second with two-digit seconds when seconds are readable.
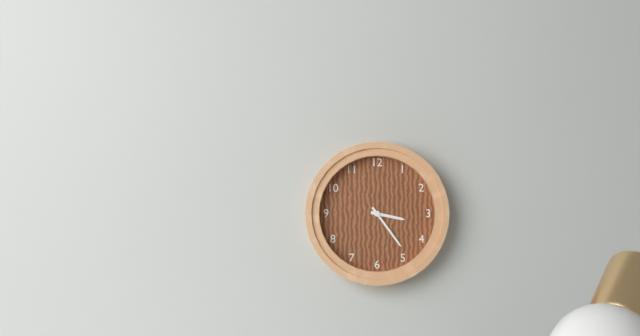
3,24
